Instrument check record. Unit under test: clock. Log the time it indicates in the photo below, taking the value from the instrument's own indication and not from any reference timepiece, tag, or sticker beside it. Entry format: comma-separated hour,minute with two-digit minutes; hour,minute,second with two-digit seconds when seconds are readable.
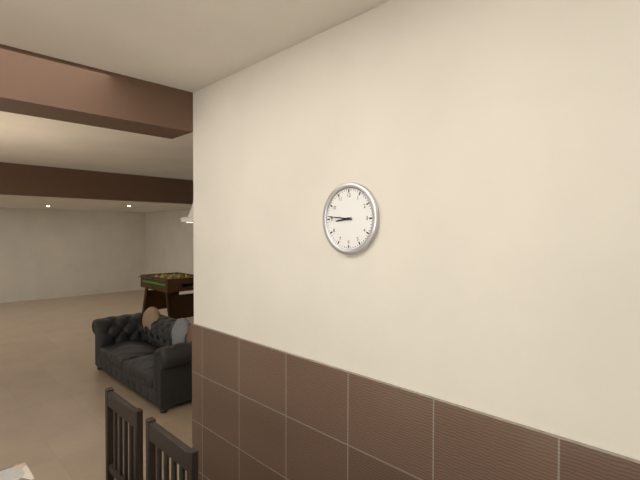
8,46
